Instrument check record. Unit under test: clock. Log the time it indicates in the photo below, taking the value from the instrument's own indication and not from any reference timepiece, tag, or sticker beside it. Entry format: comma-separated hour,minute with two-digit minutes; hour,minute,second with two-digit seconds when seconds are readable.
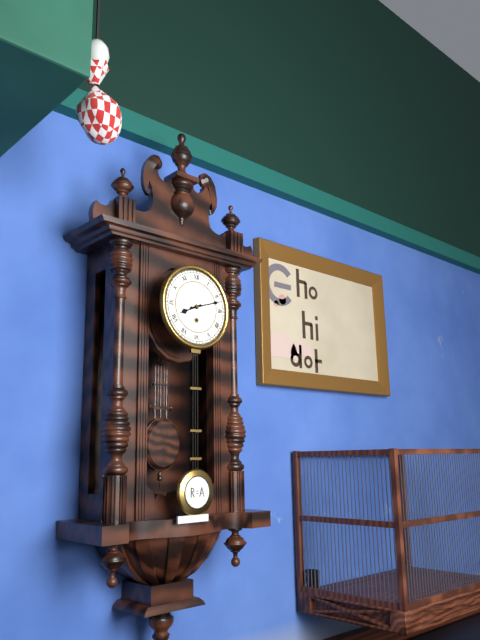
8,12
